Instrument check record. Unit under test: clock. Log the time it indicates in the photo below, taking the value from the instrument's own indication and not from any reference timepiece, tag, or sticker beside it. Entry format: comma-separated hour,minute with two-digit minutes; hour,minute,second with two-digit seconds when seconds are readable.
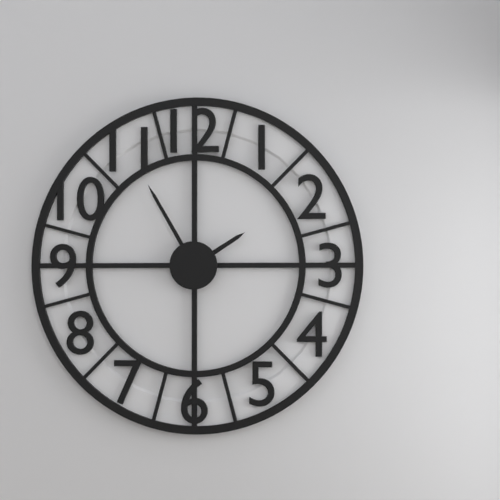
1,55
